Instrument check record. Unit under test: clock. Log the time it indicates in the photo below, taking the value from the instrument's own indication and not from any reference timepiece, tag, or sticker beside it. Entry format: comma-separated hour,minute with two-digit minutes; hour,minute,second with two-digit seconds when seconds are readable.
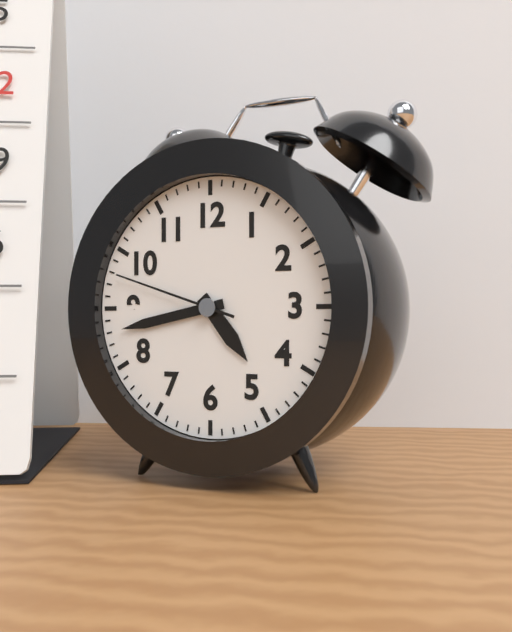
4,43,48
